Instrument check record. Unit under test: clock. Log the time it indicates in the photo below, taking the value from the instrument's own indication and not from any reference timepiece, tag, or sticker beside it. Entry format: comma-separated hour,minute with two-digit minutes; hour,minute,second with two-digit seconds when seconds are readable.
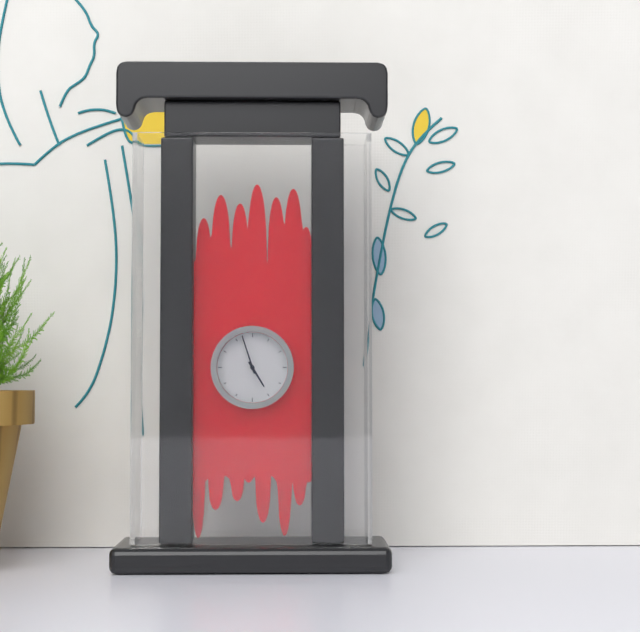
4,57
